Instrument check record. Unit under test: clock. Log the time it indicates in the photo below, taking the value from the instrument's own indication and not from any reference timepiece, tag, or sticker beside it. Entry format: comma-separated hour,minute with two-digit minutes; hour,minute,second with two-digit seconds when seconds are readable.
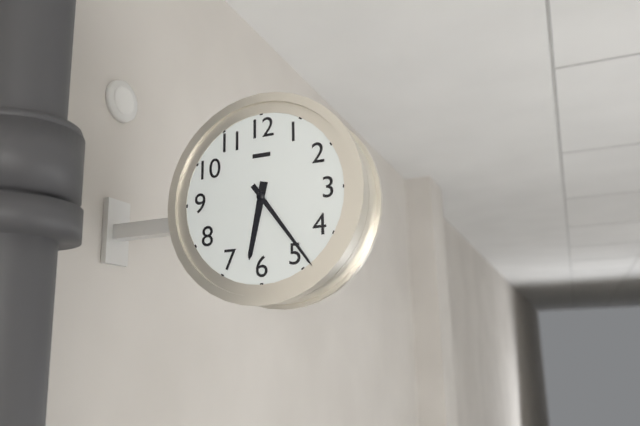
6,24
